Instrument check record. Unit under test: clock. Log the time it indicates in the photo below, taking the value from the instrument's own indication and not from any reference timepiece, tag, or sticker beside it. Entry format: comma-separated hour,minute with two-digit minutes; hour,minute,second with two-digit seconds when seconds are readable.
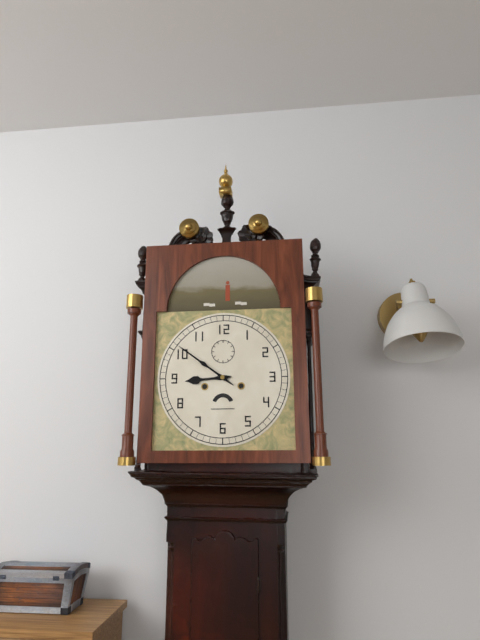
8,51
